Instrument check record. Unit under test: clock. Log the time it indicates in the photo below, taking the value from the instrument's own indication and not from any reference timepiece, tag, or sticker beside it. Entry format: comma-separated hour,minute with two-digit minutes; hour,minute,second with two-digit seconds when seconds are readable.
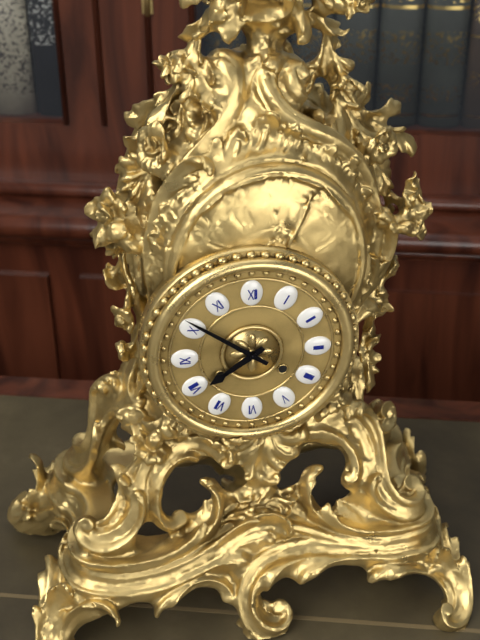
7,51
